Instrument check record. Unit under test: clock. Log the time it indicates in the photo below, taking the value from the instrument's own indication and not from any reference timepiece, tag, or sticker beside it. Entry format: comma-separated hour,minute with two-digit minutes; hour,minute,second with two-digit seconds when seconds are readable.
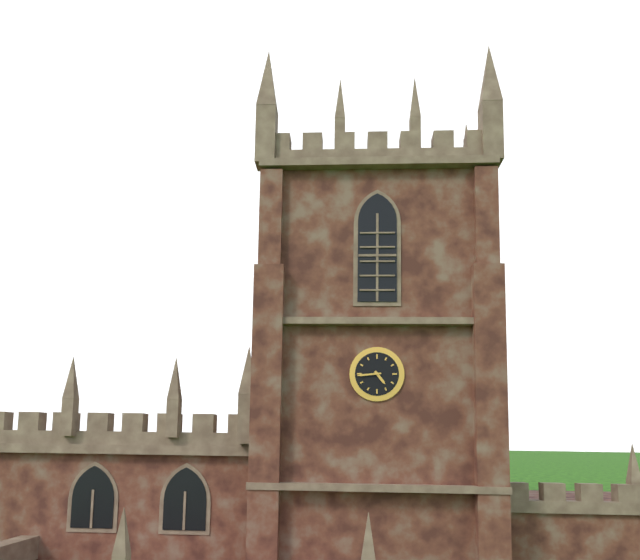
4,44
